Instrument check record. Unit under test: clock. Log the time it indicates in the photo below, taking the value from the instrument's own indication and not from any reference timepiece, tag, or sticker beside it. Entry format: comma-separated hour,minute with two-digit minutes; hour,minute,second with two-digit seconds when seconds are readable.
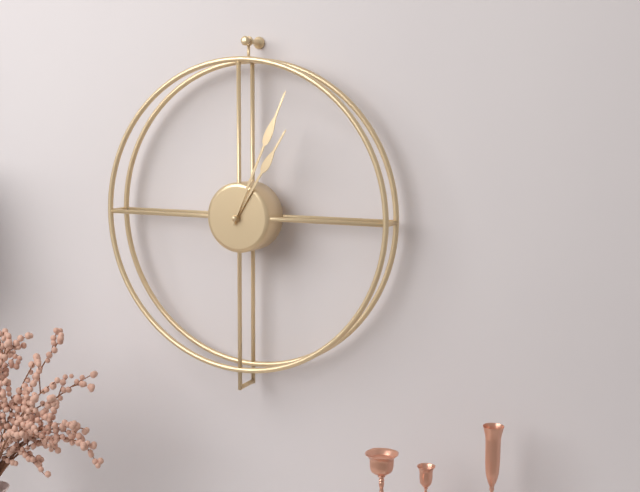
1,04
